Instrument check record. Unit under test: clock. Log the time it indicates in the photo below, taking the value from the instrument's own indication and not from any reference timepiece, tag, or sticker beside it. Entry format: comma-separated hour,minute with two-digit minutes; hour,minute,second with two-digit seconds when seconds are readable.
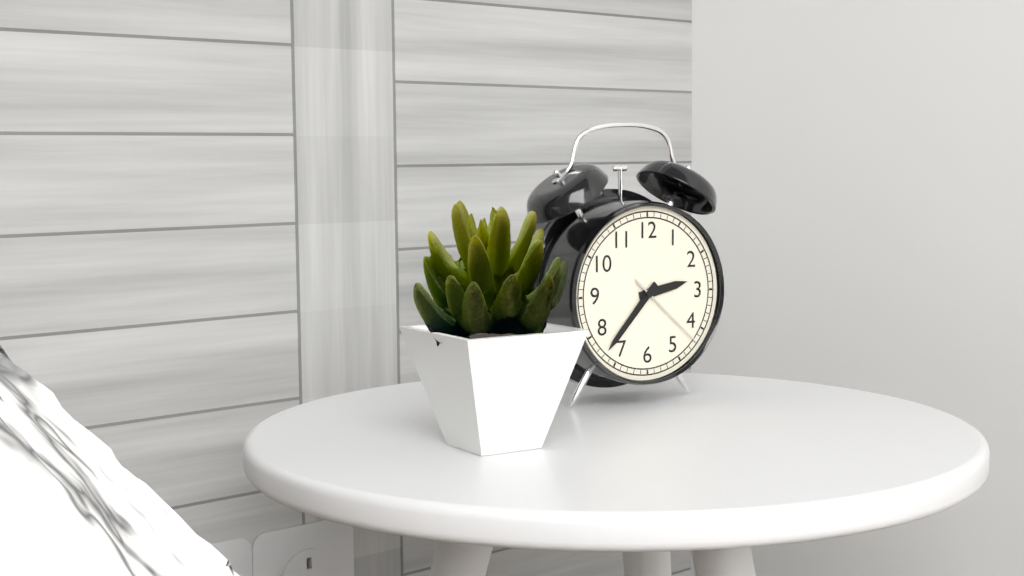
2,37,22
